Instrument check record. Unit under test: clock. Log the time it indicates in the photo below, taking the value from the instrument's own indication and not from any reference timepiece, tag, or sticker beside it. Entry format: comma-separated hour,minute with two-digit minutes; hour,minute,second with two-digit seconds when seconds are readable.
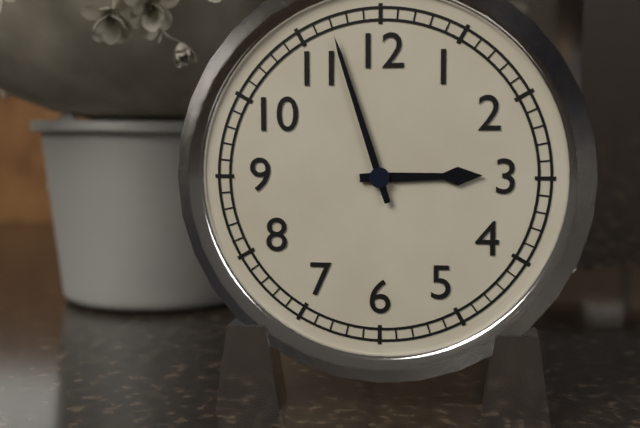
2,57
